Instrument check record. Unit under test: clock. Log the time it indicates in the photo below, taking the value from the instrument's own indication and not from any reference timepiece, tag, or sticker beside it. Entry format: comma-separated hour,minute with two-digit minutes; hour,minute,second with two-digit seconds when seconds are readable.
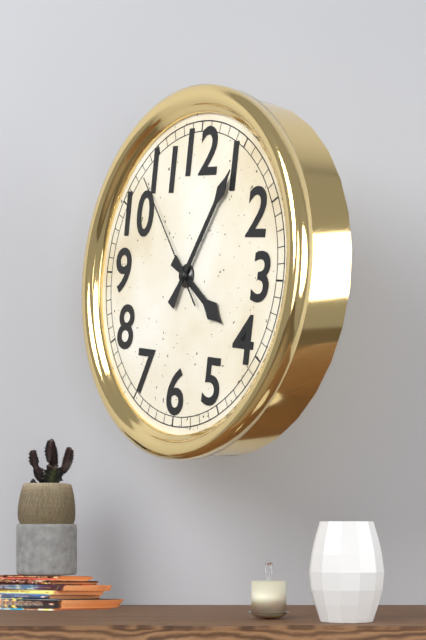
4,05,53
